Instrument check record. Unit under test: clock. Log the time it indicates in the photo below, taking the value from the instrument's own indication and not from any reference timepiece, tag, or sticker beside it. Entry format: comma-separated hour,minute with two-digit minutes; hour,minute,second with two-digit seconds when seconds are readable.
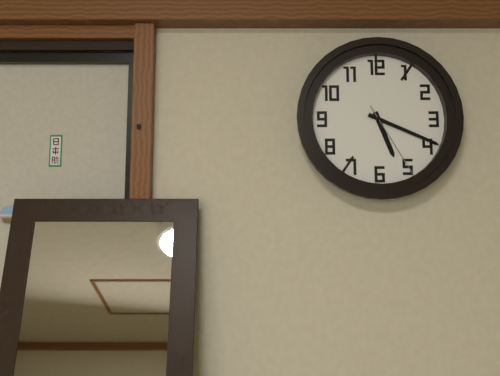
5,19,25
